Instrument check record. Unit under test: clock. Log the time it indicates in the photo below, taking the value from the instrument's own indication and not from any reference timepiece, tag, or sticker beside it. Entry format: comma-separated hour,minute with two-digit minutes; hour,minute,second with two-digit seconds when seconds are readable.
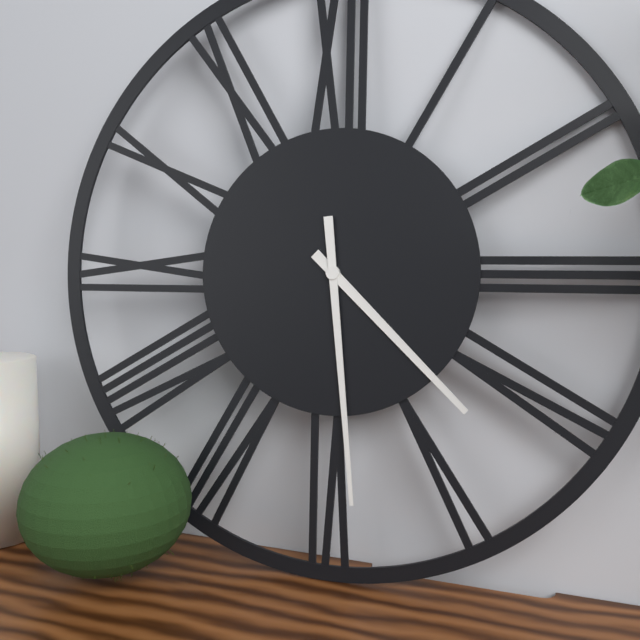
4,29
